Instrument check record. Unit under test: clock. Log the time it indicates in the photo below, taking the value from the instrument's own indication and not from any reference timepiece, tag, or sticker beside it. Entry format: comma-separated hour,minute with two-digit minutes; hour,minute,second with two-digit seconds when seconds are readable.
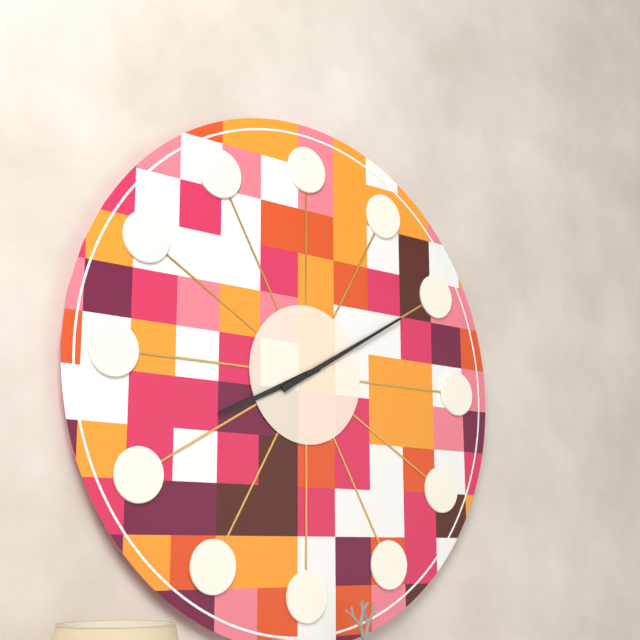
8,10
